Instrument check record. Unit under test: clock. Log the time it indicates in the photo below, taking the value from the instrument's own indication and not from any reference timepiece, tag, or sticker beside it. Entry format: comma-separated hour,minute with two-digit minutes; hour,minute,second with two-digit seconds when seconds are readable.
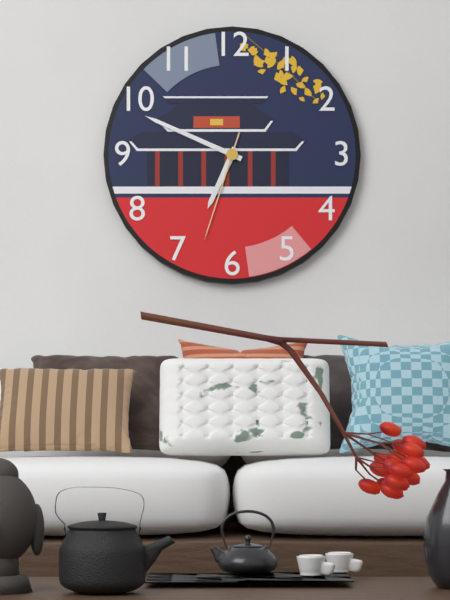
6,49,33
